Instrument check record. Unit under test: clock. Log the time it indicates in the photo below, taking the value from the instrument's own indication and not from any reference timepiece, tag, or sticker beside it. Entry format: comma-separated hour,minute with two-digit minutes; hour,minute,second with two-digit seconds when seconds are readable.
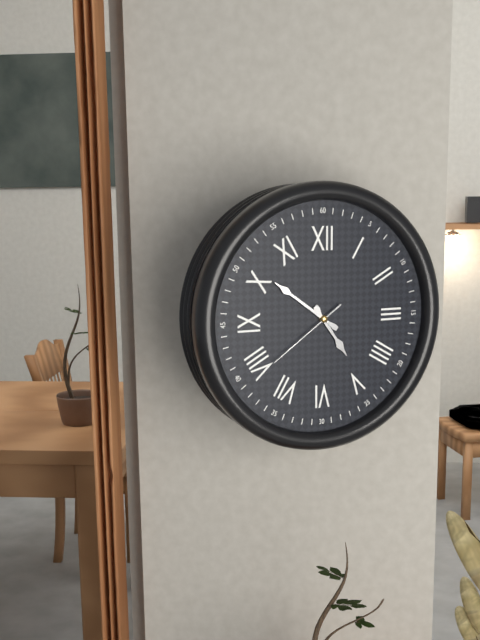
4,51,39
